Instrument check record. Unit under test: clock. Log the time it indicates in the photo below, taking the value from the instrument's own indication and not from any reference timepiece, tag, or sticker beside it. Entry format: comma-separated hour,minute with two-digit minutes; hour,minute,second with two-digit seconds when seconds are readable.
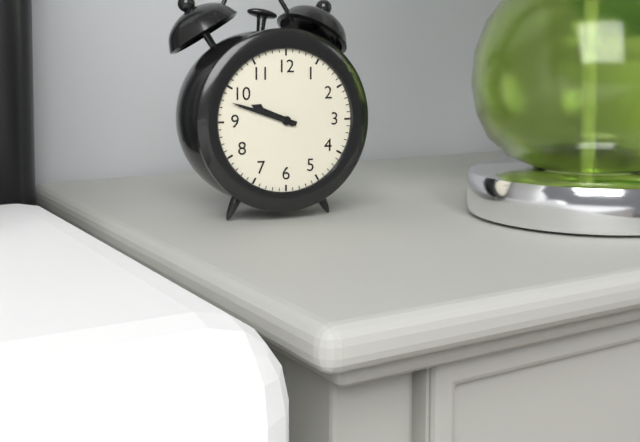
9,48
